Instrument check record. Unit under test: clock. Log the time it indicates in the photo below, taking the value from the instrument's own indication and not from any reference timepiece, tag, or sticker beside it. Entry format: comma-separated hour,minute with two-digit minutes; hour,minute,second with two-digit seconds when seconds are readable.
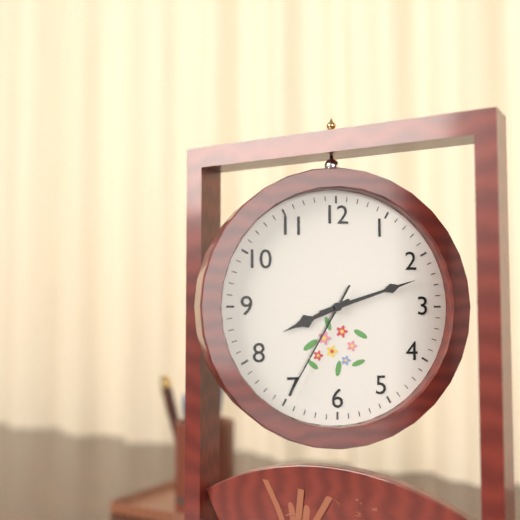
8,12,35
